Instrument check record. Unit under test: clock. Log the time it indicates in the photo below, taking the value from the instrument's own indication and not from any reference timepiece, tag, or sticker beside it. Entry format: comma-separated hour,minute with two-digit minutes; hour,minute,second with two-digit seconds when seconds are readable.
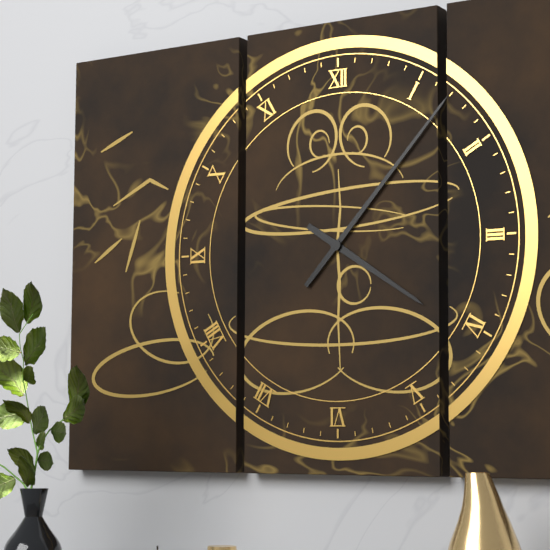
4,07
